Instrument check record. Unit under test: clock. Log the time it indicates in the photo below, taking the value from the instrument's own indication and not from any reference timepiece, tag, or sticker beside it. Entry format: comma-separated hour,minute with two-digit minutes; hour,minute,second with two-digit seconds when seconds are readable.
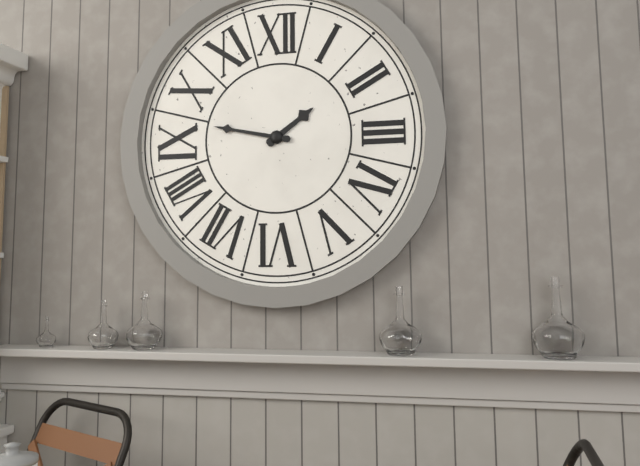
1,47
